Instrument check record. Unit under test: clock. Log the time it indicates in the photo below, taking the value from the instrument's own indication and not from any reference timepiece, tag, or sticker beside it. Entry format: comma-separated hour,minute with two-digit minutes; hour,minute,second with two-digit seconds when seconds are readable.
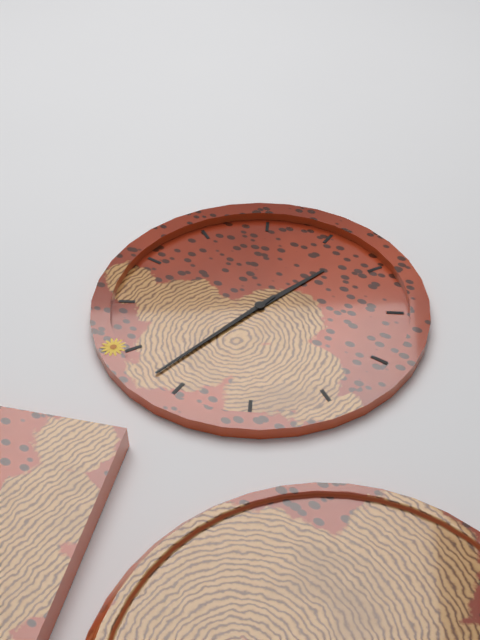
12,32
